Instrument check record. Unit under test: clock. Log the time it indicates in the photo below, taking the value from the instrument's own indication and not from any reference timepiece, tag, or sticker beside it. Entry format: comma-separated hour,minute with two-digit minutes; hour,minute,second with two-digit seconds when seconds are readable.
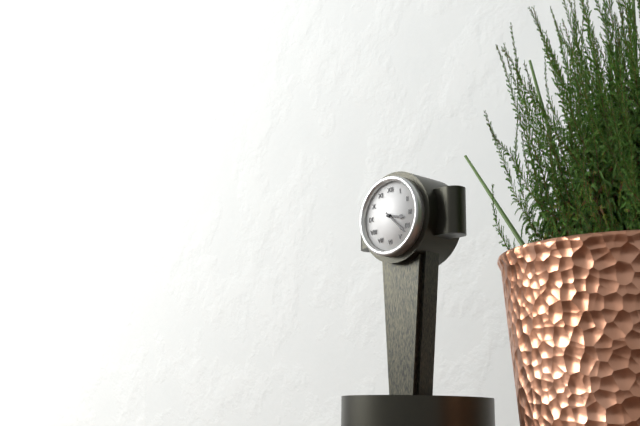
3,22
